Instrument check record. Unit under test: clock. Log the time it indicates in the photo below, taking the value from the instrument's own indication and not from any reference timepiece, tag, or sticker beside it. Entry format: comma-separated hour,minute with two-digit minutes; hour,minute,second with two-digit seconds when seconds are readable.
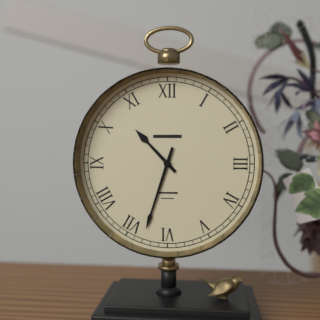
10,33
